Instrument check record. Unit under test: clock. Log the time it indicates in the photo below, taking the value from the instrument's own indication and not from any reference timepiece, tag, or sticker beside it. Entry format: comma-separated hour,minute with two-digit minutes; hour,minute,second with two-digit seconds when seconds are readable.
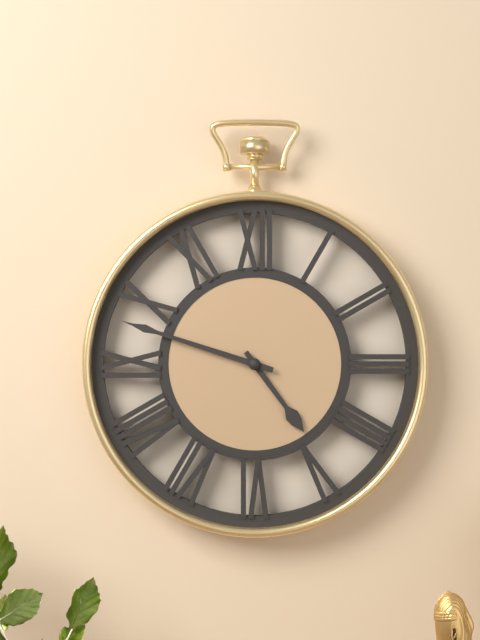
4,48
